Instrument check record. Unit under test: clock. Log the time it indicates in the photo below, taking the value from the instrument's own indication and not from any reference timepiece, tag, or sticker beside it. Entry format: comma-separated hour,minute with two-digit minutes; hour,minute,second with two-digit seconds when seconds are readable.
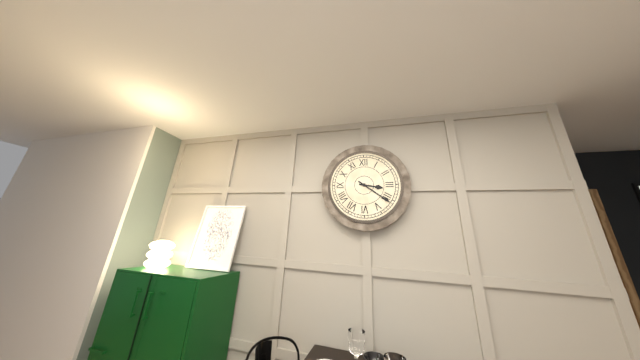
3,21
